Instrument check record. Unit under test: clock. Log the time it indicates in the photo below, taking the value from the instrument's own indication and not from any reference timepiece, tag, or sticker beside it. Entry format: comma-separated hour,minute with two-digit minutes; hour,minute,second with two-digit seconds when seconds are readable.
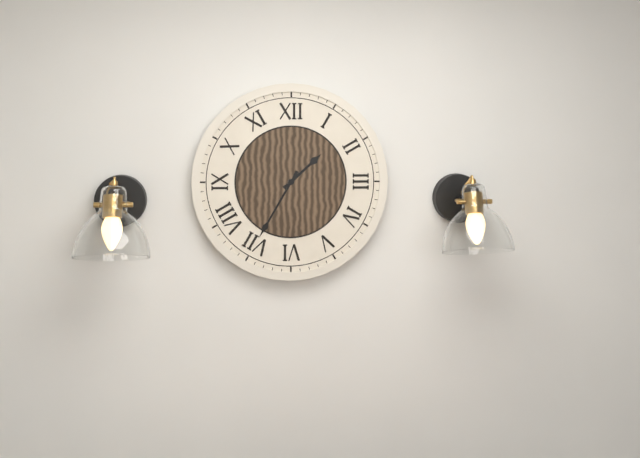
1,35
